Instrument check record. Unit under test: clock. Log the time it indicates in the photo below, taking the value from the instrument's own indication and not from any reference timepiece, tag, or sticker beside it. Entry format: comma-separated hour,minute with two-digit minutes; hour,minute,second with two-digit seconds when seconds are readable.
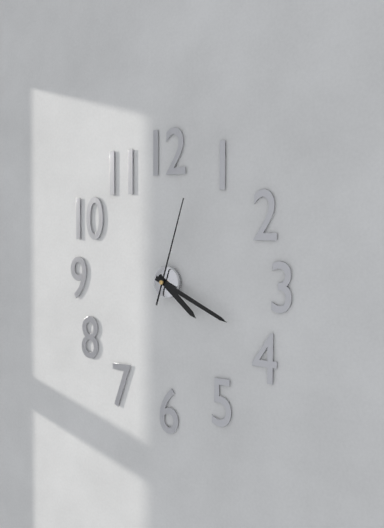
4,19,03
